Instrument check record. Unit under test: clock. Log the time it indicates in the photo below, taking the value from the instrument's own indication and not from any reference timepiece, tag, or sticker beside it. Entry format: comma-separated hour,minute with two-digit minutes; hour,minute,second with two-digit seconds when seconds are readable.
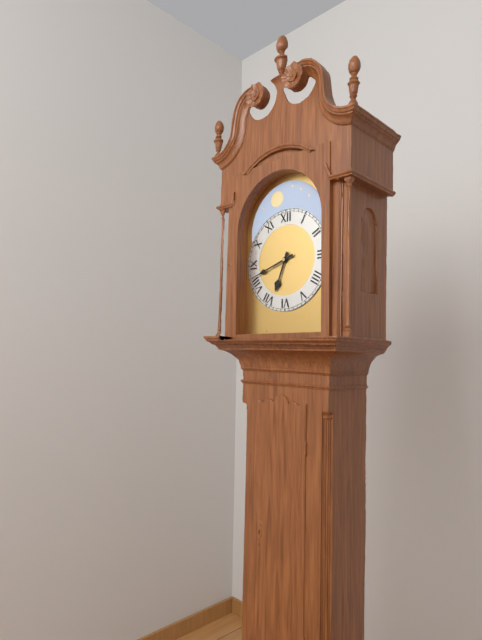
6,42
